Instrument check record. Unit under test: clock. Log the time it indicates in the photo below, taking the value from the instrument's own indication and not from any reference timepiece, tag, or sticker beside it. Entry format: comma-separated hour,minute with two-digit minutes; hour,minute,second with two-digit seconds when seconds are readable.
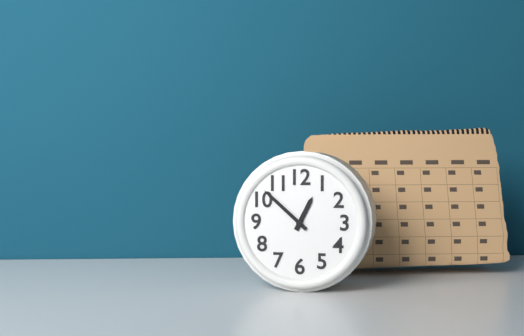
12,52
